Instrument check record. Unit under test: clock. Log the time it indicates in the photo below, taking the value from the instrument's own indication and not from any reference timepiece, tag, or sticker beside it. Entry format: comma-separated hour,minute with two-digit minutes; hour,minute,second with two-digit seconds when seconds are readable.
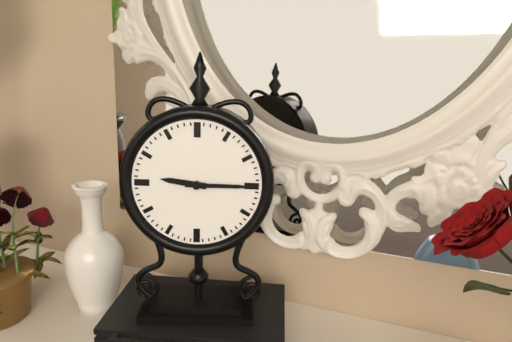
9,15
